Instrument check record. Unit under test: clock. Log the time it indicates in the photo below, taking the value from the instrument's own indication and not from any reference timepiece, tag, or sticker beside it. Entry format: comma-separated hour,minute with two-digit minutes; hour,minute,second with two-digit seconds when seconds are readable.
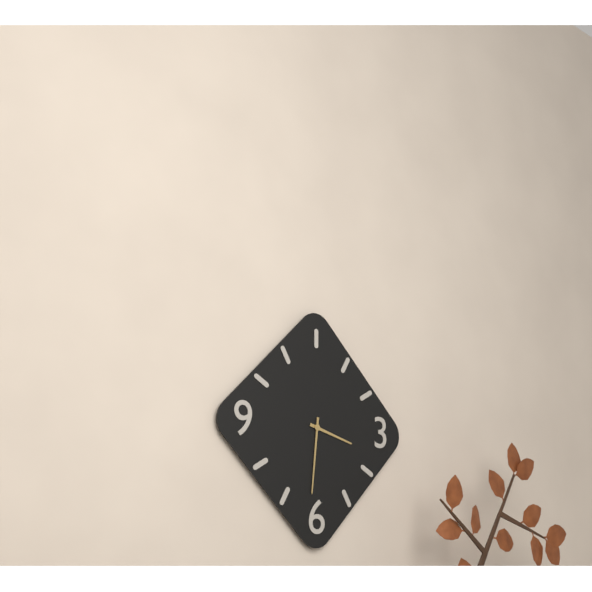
3,31
